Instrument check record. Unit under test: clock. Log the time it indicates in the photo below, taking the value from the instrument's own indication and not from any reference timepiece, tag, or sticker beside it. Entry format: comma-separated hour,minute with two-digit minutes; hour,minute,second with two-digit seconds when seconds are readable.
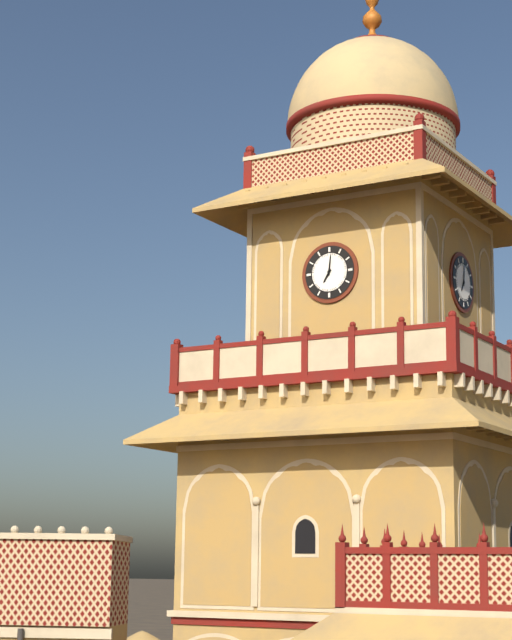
7,01
